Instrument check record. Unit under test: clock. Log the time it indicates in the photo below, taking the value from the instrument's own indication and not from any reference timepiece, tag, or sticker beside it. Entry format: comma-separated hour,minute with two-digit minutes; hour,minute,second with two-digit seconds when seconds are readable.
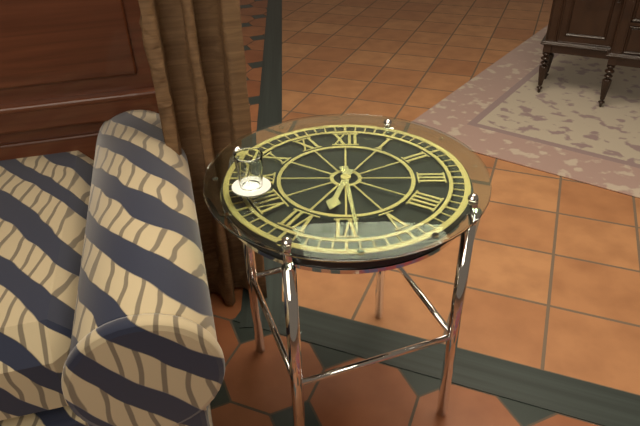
6,29
